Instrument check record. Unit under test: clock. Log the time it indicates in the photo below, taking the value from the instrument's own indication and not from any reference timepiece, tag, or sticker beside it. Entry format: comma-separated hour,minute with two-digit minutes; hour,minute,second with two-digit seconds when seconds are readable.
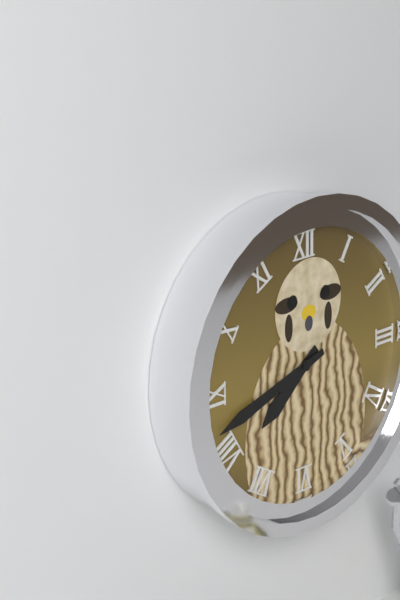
7,42
